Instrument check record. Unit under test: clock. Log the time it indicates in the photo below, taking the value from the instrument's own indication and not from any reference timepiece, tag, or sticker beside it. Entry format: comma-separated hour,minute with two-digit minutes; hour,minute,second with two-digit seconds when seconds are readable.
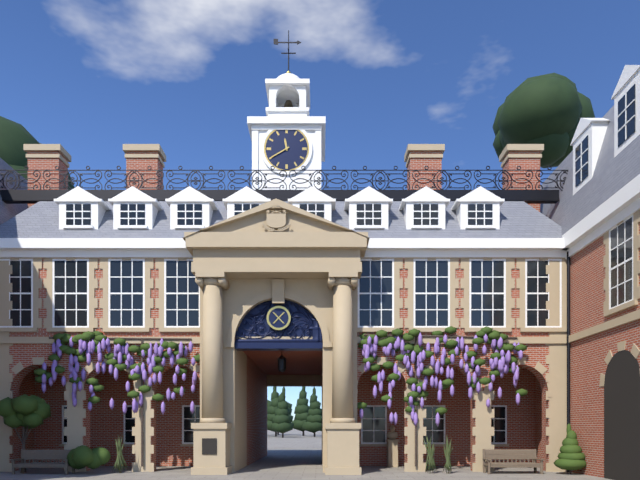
11,40
